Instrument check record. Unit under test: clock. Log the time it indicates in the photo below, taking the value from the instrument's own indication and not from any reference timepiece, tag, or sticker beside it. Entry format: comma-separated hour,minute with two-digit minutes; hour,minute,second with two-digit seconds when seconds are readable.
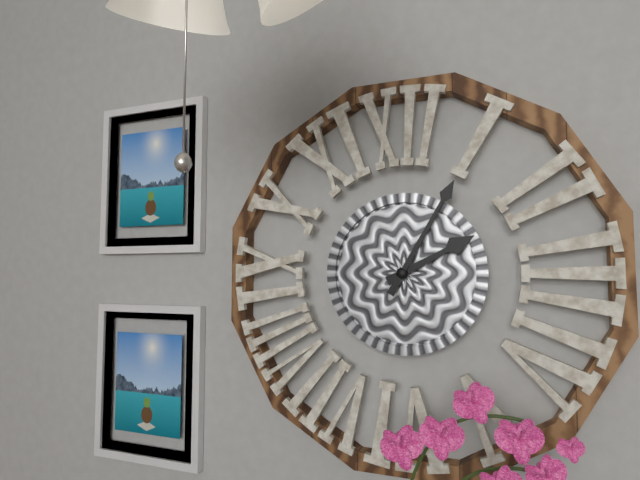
2,05
